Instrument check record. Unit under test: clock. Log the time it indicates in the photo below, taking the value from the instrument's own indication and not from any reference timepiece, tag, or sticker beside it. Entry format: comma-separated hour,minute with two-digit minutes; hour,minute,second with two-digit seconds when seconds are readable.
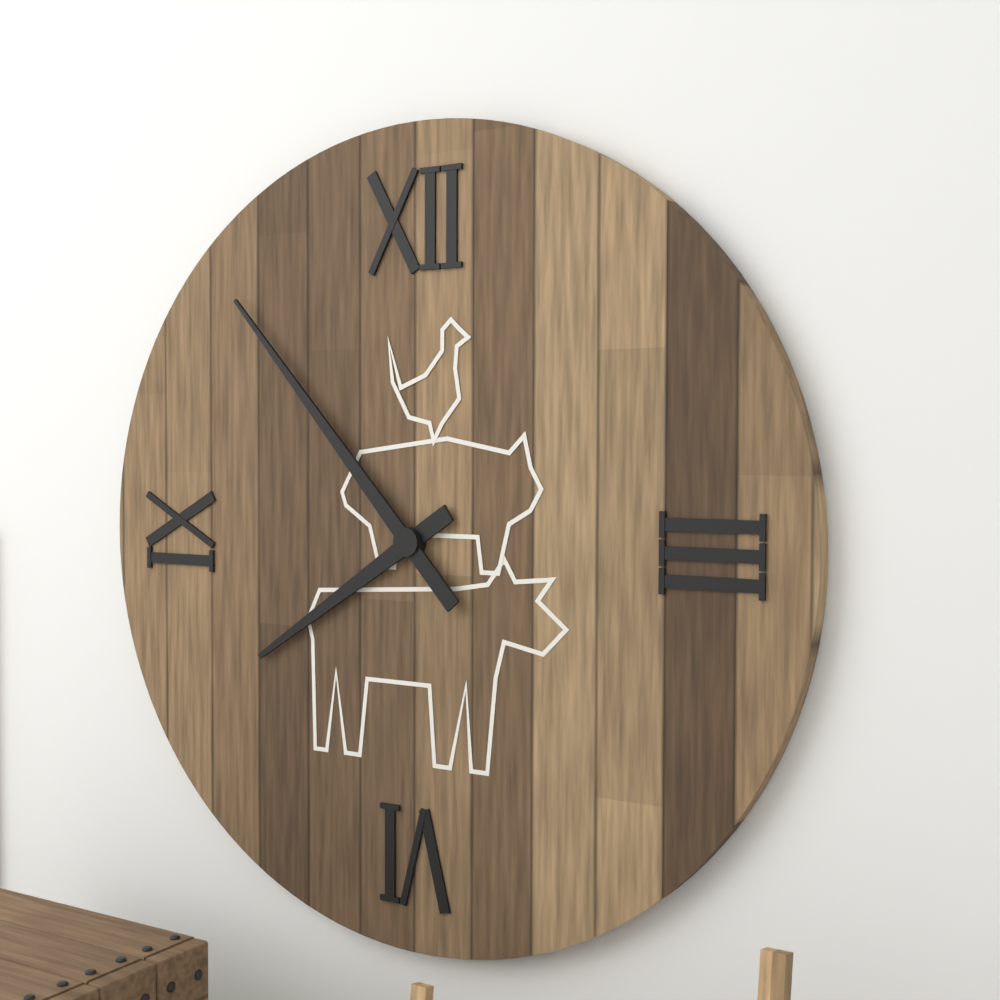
7,53
